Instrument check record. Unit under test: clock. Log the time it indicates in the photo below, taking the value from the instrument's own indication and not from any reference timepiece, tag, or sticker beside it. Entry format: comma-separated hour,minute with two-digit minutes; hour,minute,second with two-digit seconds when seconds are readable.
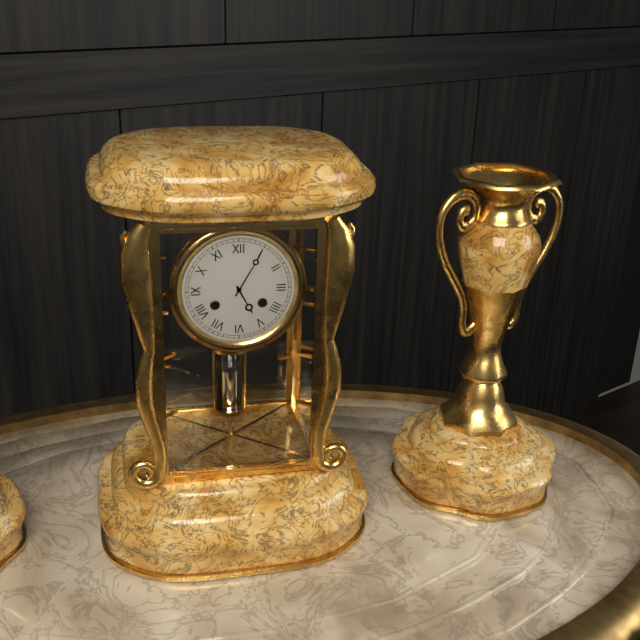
5,05
